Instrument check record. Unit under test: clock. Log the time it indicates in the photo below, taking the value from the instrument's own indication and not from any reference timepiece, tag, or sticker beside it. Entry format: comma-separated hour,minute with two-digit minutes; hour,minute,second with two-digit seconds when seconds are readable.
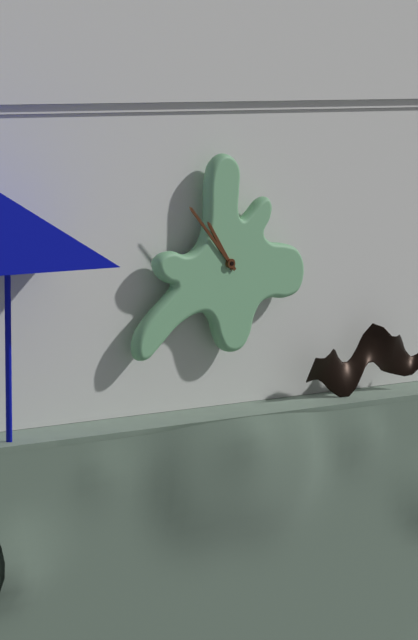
10,53
